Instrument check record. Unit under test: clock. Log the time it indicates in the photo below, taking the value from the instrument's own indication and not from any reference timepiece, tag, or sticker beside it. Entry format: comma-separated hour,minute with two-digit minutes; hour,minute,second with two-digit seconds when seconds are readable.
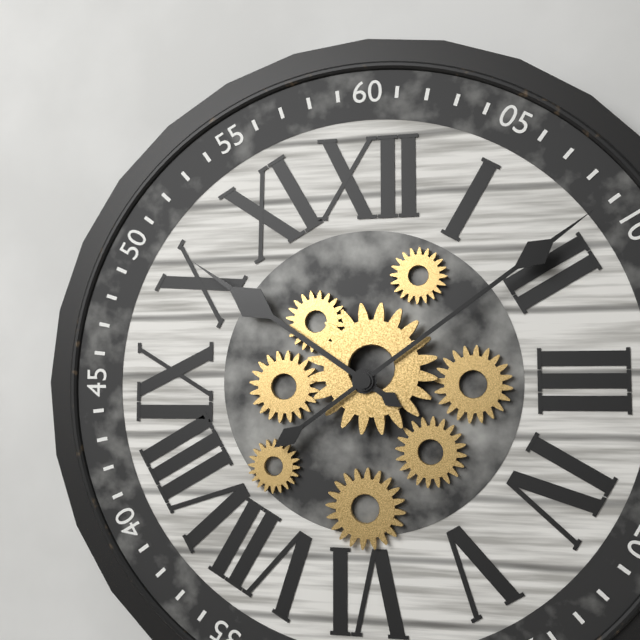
10,09
